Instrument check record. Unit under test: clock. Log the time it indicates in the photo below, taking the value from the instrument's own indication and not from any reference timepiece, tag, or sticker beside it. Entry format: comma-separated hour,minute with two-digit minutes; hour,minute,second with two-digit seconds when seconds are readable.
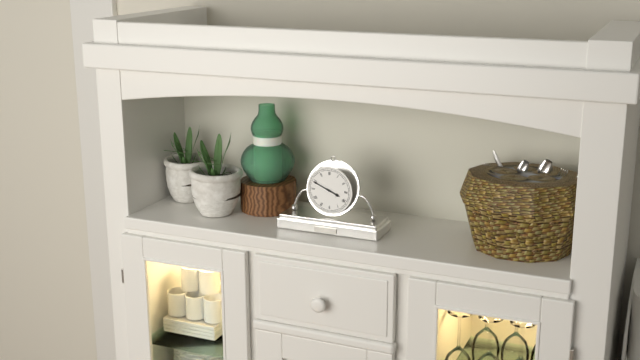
3,49
